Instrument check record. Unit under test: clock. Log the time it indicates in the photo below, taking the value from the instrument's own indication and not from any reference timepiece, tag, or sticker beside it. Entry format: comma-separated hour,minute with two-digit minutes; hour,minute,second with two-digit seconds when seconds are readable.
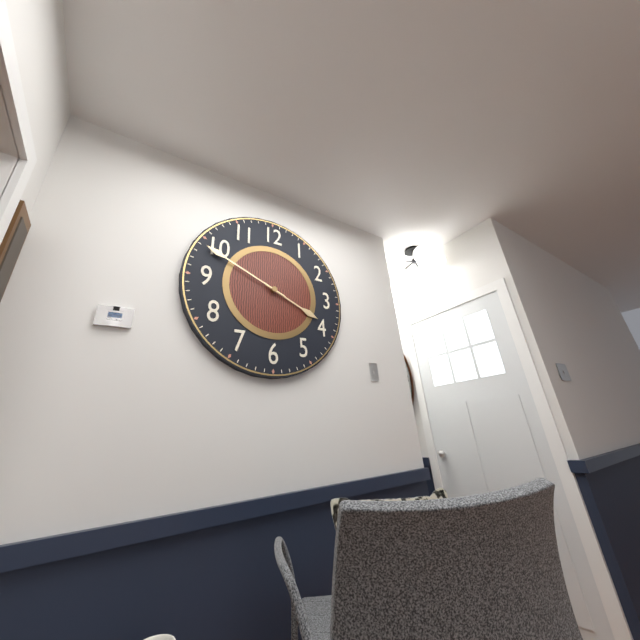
3,49
